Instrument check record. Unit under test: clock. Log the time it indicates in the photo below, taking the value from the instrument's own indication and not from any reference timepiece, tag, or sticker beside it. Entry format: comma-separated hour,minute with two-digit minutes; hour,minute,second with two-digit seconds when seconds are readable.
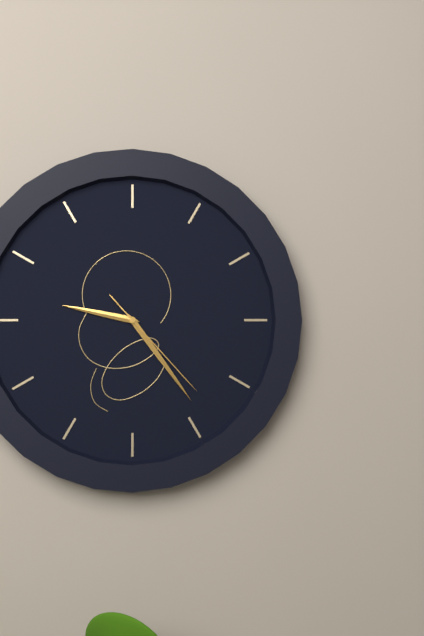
9,24,23
